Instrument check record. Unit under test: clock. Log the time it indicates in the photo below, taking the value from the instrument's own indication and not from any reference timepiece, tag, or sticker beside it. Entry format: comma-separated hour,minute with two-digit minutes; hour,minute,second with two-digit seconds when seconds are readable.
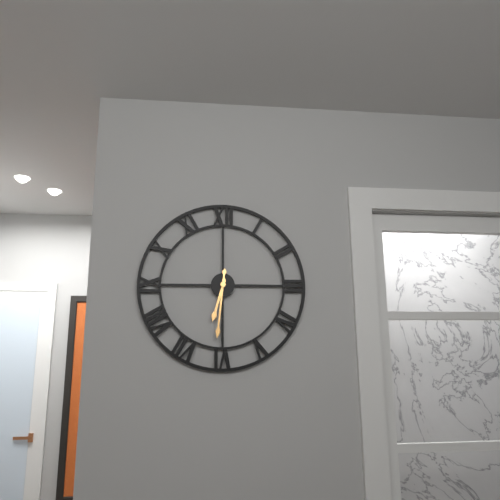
6,31
